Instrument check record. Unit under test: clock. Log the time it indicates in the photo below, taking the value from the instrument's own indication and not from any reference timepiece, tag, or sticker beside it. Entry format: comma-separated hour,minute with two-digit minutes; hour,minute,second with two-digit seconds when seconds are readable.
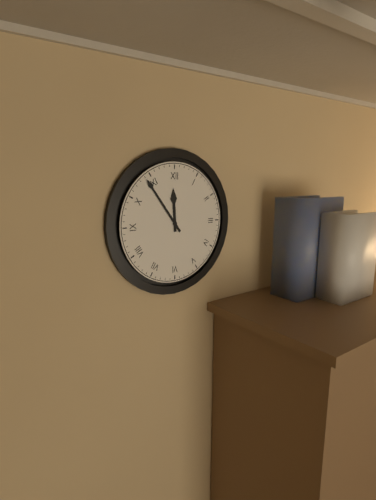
11,54
